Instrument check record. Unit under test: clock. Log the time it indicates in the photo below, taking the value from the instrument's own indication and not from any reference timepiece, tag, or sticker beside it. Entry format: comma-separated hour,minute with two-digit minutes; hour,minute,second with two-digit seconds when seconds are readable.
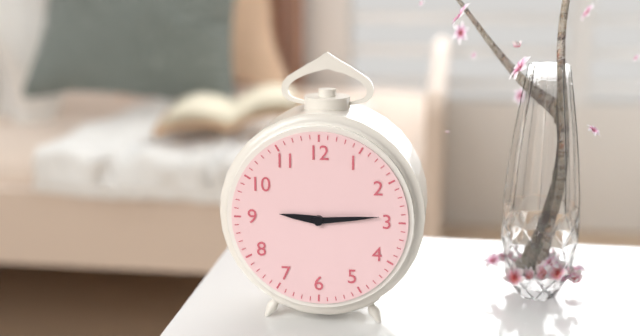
9,14
